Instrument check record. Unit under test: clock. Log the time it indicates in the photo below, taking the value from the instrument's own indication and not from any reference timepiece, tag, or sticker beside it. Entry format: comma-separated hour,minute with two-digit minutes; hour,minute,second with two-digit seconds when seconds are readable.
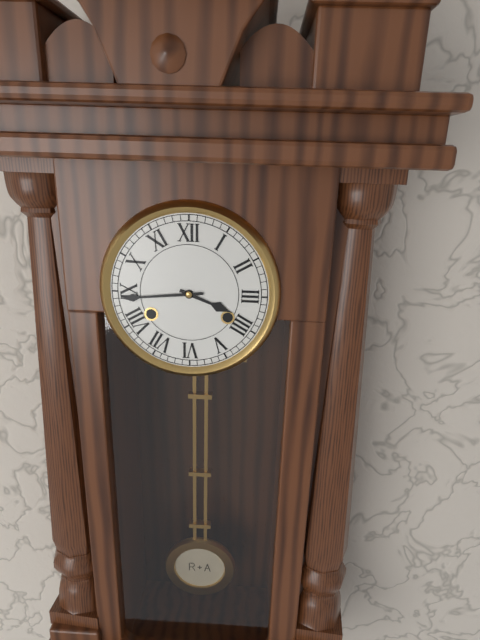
3,44
